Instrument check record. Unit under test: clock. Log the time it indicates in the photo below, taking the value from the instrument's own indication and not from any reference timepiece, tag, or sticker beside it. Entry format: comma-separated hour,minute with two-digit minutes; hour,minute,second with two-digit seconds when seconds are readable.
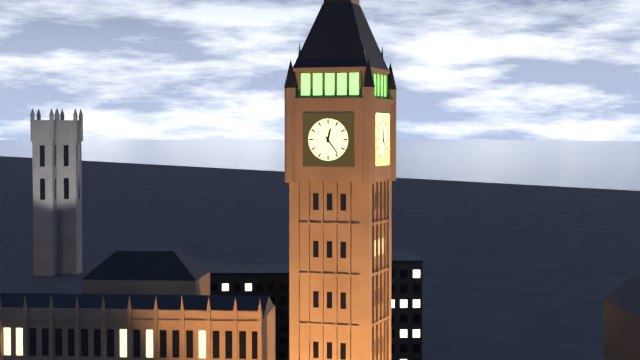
12,24
